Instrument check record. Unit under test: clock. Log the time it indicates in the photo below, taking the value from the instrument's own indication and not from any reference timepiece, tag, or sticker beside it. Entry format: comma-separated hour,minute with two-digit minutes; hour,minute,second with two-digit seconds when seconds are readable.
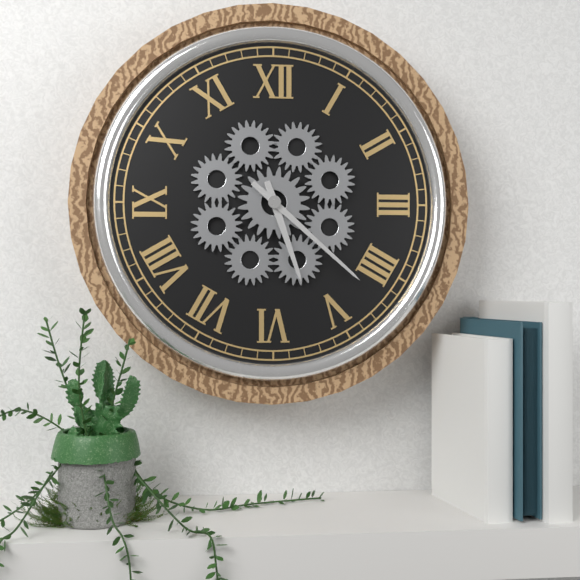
5,22
